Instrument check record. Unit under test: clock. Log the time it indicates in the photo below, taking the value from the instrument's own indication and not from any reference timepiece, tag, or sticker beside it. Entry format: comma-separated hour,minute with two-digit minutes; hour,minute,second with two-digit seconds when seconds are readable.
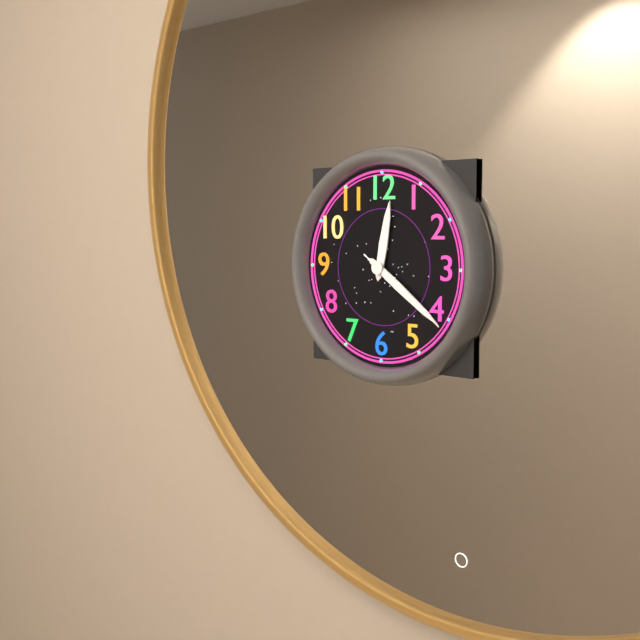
12,21,21
